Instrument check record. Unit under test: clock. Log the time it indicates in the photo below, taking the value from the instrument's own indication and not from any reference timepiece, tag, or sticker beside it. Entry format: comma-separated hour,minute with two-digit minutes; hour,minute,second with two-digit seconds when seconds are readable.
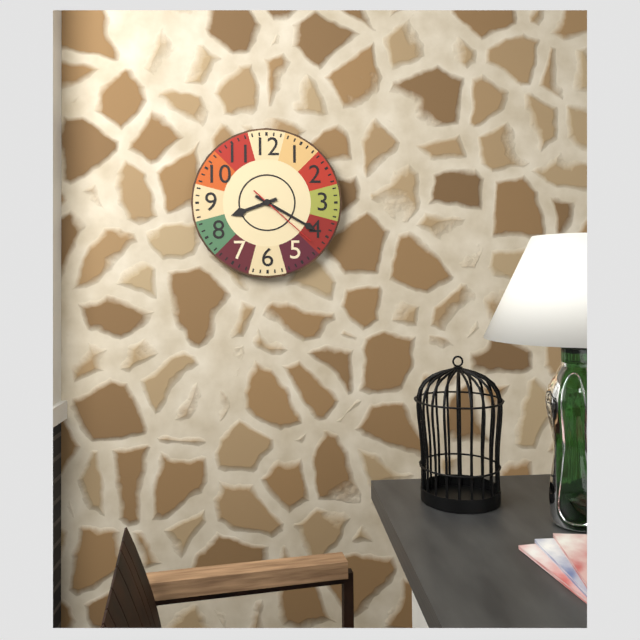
8,20,22
